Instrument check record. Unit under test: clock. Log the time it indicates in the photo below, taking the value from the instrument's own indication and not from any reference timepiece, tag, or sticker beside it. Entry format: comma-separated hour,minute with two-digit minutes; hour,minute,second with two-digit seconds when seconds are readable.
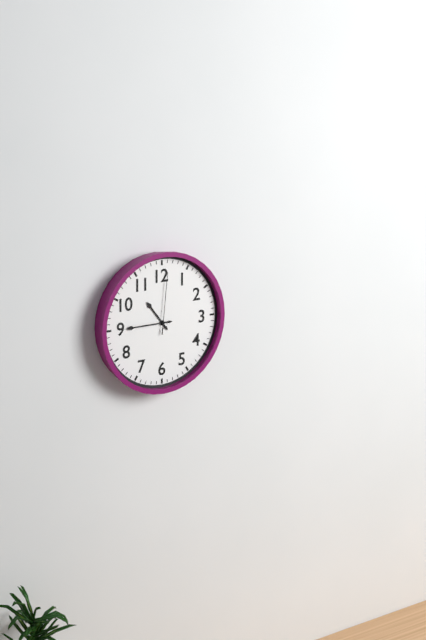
10,45,01
